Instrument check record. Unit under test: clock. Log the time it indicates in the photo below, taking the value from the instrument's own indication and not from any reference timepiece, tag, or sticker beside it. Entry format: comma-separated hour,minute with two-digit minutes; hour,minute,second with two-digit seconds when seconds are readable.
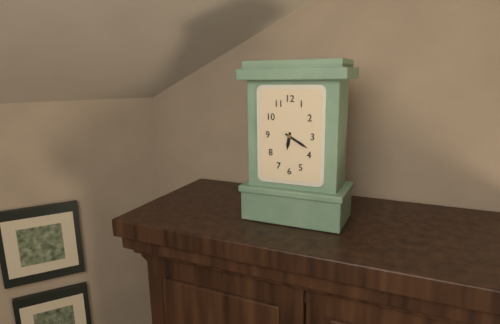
6,20
